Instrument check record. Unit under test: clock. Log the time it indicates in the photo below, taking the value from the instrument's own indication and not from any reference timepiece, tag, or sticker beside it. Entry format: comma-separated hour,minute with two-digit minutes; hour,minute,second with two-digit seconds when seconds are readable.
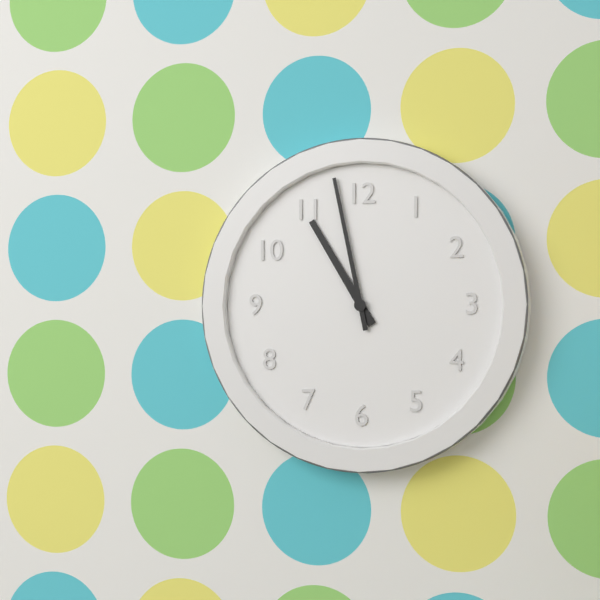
10,58
